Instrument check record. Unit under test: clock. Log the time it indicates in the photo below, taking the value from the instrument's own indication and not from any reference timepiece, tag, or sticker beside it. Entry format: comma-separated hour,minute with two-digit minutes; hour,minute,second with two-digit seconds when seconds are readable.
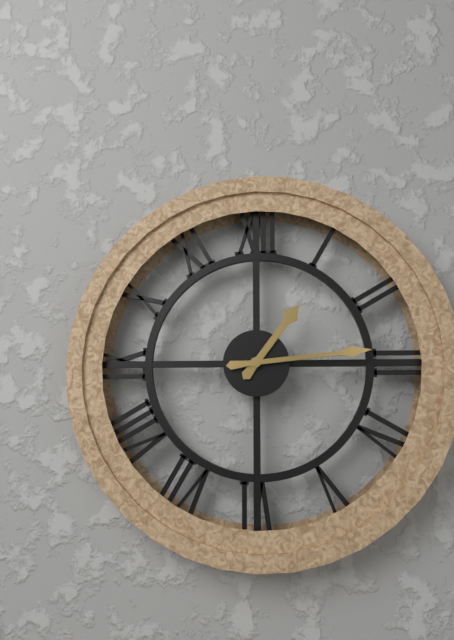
1,14
